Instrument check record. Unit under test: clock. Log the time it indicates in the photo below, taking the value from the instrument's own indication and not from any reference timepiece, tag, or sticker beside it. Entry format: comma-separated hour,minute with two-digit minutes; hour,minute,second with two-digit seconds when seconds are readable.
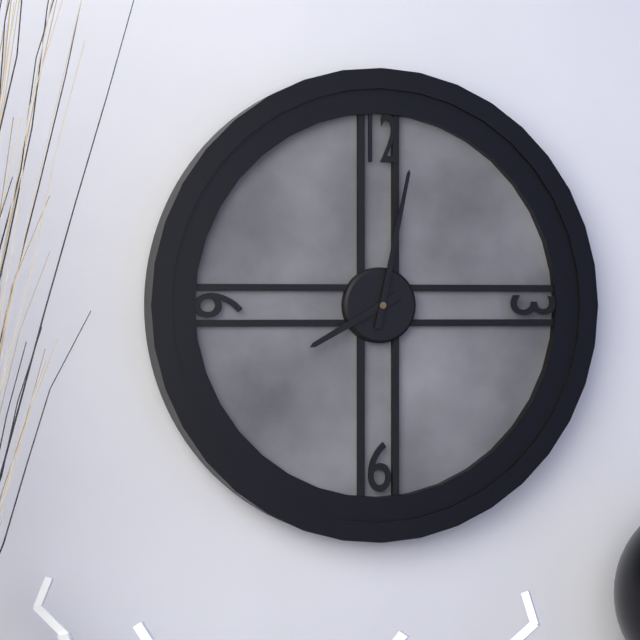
8,02
